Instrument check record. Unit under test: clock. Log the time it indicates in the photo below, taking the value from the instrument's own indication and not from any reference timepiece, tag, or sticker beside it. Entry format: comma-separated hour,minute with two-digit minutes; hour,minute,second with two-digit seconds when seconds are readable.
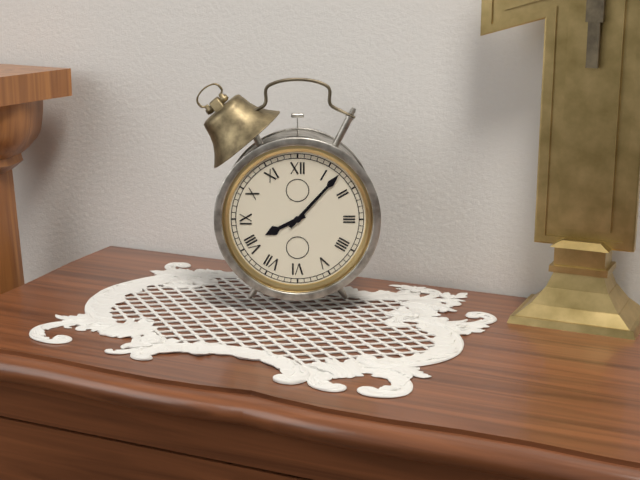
8,07
